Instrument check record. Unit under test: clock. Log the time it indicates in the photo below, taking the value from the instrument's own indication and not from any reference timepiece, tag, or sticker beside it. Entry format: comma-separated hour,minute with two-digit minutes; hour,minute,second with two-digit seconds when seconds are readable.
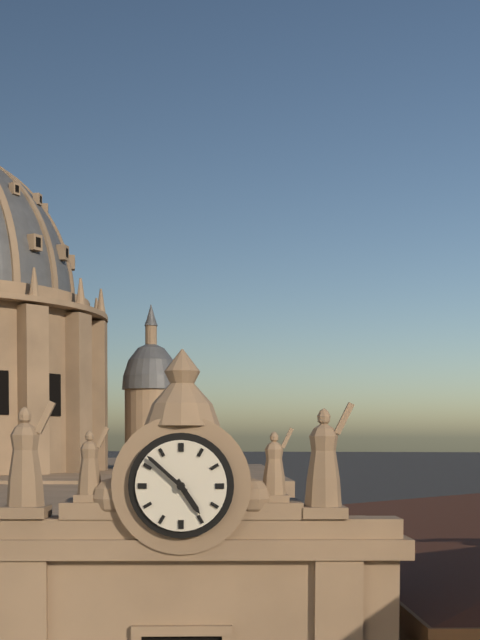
4,52
